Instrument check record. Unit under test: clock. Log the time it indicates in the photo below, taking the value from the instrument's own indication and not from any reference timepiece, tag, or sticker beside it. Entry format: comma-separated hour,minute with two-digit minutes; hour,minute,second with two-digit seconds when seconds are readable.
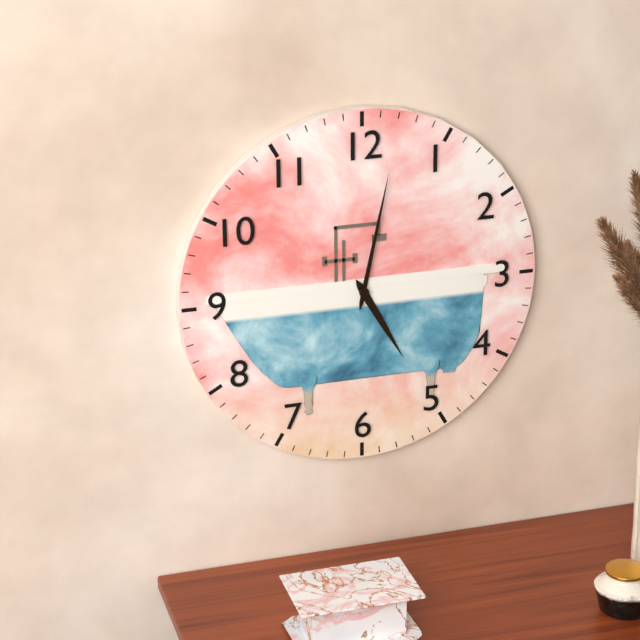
5,02
